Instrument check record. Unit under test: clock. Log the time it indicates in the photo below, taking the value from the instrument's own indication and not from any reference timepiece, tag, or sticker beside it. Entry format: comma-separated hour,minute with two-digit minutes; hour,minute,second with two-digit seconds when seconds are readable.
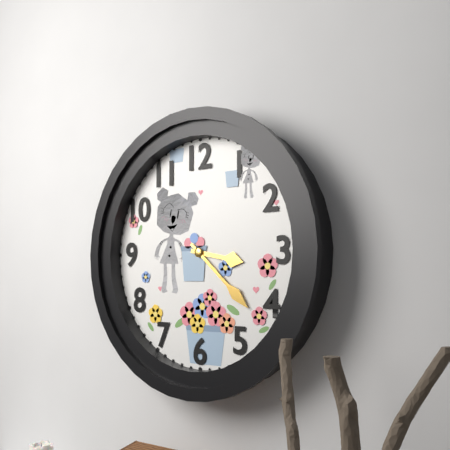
3,22
